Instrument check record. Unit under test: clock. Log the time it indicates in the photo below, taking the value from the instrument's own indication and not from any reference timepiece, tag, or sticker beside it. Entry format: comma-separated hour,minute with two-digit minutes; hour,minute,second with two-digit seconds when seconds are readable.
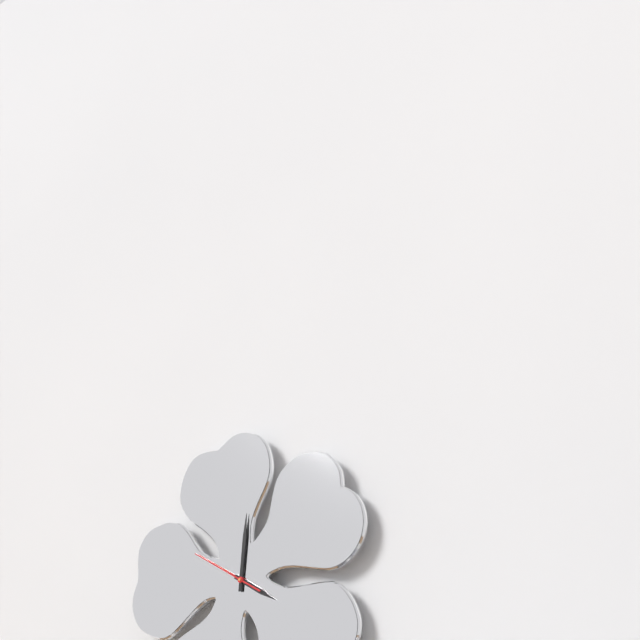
4,01,50
